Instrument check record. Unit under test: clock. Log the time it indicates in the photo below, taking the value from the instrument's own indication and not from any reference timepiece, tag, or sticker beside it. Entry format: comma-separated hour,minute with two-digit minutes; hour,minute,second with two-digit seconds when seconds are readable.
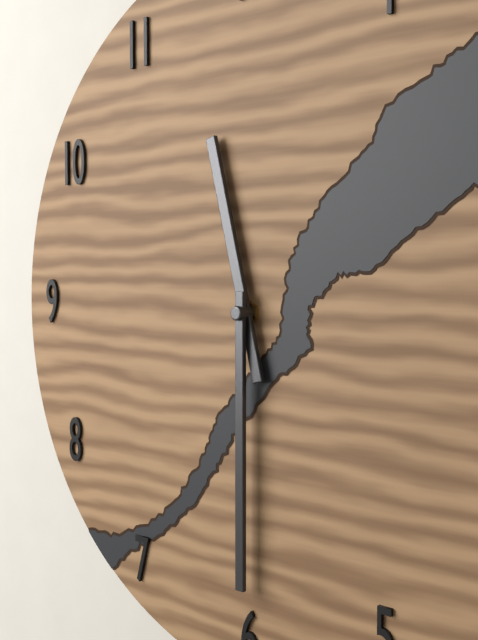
11,30
